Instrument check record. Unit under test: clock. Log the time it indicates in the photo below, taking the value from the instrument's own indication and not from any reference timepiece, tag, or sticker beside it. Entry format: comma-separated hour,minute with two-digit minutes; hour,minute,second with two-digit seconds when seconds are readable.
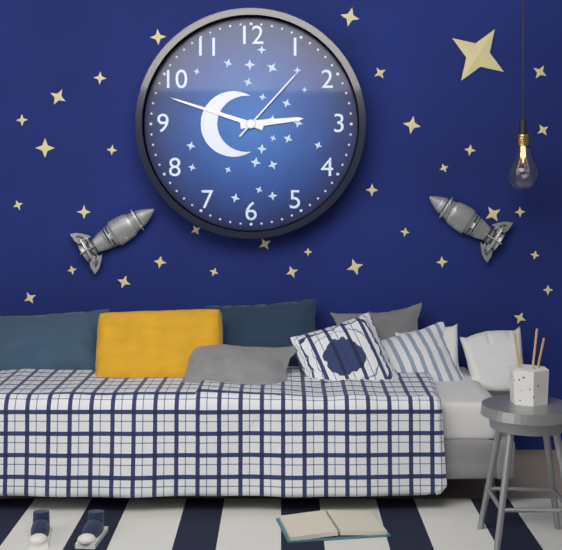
2,48,07
